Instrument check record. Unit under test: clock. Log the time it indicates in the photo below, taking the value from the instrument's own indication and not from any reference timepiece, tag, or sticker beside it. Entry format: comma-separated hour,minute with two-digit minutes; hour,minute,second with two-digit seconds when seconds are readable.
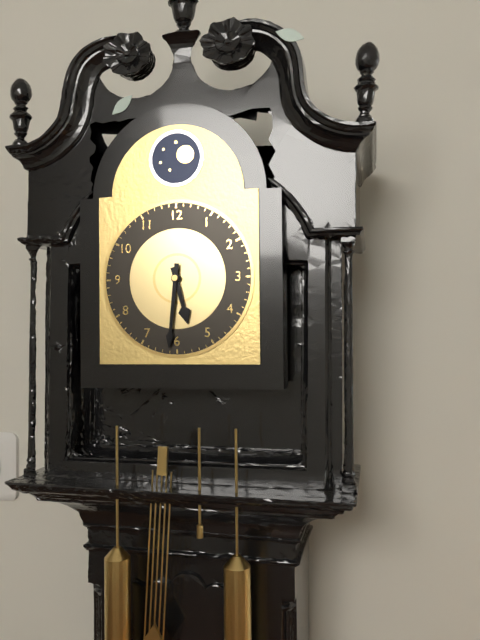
5,31
